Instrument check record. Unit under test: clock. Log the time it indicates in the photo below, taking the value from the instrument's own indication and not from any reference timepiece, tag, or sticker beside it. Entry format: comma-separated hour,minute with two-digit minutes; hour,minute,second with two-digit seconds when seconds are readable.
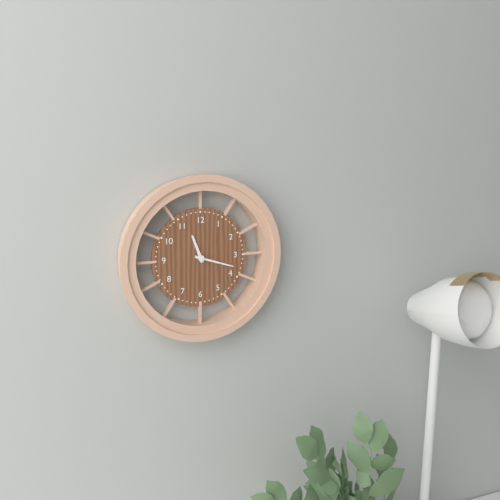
11,18
